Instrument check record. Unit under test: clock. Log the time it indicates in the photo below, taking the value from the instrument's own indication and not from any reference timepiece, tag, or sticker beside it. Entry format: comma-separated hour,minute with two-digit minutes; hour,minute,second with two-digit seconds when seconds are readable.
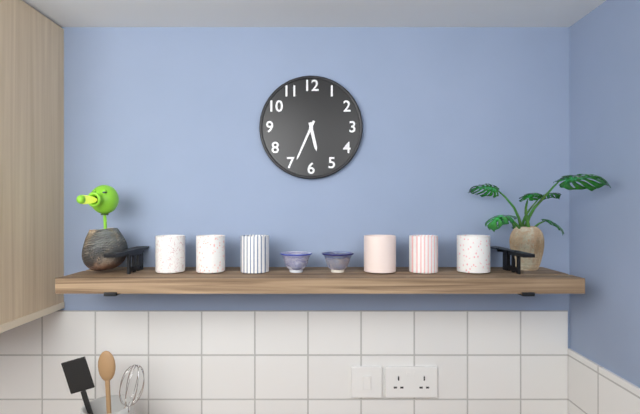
5,34
